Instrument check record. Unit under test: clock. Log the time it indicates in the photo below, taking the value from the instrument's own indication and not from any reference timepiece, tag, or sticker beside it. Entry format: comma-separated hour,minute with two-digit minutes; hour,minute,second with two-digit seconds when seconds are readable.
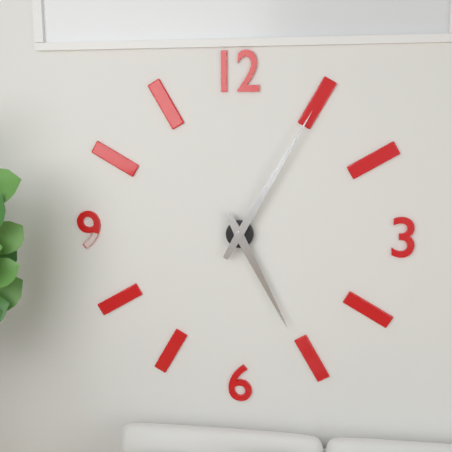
5,05
